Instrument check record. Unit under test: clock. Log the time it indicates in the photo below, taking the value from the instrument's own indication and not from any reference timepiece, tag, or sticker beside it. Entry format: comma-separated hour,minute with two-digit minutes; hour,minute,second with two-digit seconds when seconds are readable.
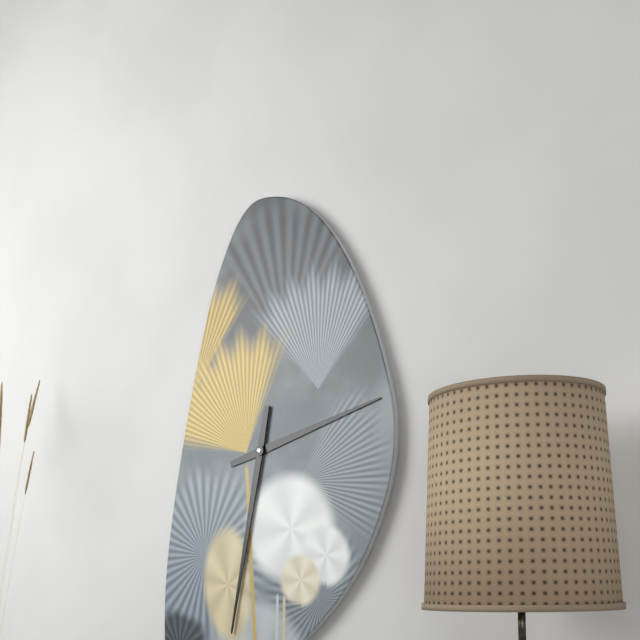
2,32
